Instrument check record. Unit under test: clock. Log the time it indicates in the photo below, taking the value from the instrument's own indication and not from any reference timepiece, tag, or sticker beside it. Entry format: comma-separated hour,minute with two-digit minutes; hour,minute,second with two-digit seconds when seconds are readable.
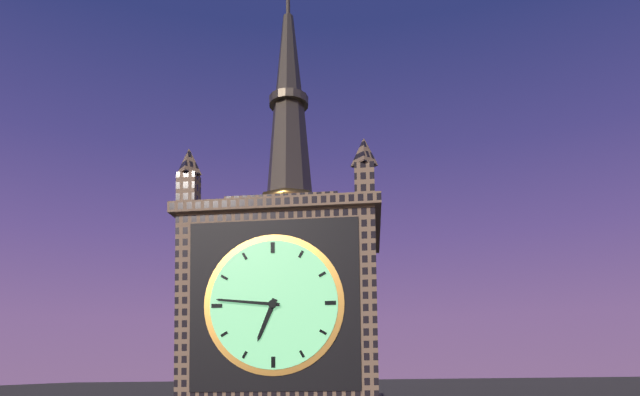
6,46
